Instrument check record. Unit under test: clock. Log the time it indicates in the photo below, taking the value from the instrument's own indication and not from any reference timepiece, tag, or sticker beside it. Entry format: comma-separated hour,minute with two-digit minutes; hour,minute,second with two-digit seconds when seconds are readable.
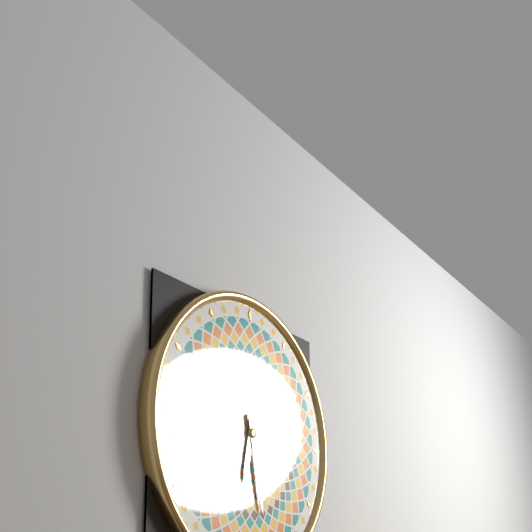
6,28
